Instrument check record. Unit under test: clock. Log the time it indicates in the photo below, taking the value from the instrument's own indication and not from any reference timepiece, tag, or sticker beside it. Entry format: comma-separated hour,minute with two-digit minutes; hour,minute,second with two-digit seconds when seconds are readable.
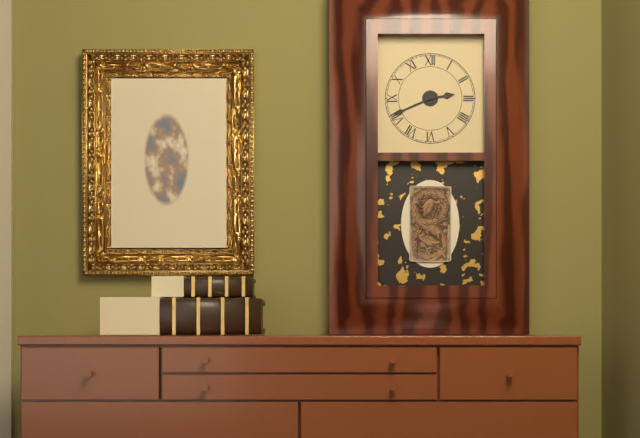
2,41
